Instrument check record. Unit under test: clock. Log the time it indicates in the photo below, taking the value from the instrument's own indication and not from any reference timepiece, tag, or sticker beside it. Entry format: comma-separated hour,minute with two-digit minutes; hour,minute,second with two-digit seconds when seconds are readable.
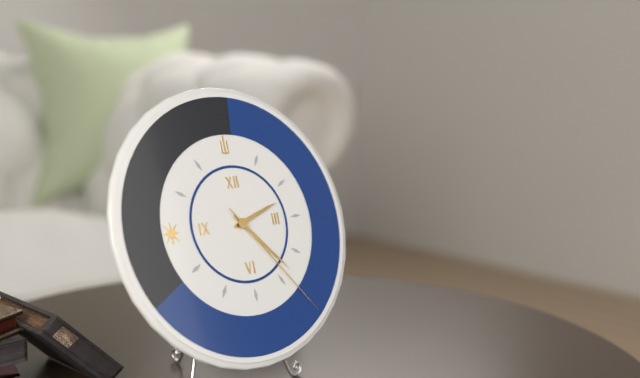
2,23,24
